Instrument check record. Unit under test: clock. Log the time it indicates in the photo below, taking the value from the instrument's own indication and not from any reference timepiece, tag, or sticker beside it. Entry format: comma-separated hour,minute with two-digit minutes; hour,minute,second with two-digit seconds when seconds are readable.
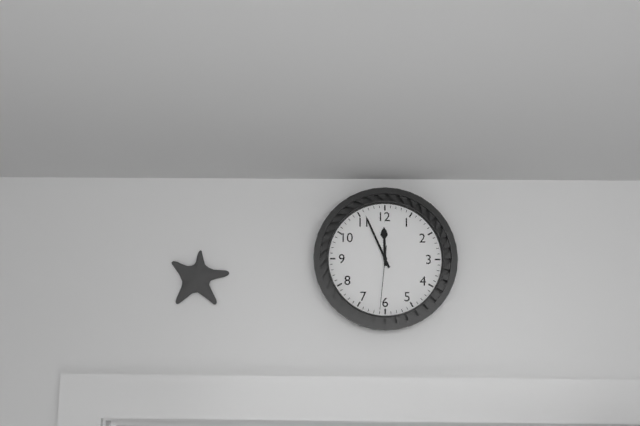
11,56,31
